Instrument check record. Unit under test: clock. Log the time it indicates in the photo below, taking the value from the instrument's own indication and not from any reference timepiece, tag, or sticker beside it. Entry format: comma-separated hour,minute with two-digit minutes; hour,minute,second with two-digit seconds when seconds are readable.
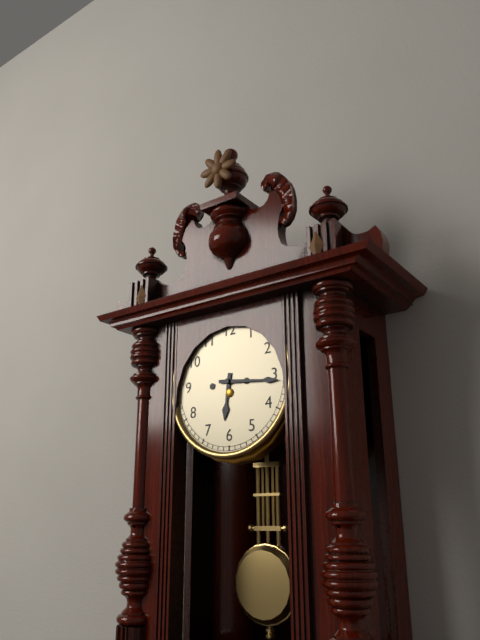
6,16
